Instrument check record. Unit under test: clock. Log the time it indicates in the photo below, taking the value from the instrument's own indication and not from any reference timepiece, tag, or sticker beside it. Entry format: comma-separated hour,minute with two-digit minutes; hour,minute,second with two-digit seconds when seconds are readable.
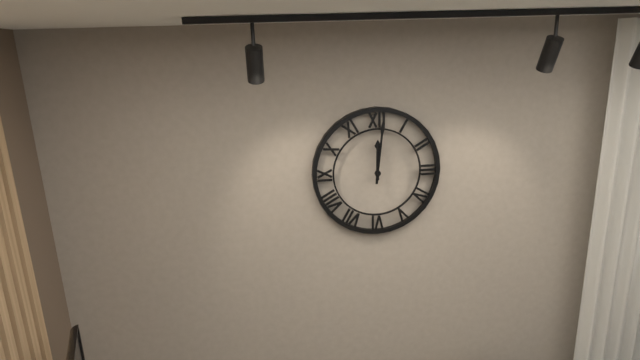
12,01
